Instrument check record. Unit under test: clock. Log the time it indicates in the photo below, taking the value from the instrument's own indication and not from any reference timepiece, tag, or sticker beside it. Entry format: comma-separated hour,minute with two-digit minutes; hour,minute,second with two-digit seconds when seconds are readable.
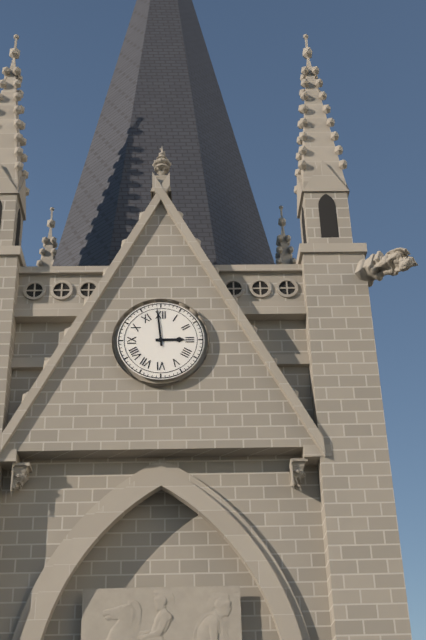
2,59
